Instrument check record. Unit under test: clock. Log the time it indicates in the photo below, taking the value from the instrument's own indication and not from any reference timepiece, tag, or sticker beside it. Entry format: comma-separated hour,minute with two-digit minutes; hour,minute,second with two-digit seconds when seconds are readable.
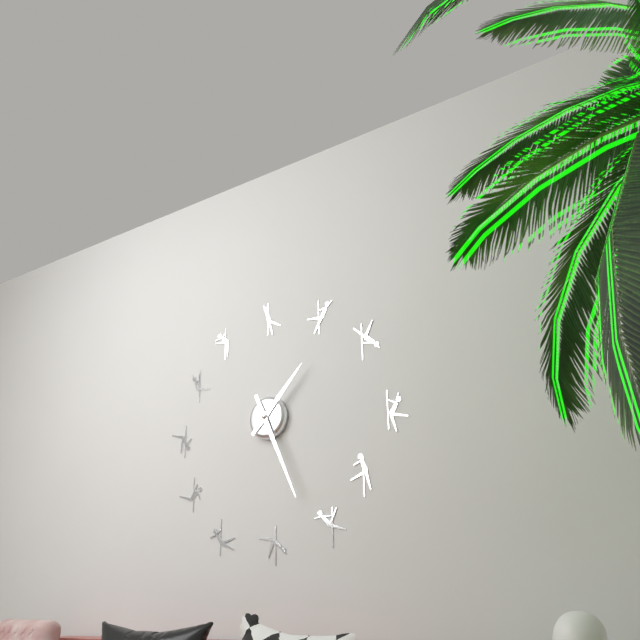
1,26
